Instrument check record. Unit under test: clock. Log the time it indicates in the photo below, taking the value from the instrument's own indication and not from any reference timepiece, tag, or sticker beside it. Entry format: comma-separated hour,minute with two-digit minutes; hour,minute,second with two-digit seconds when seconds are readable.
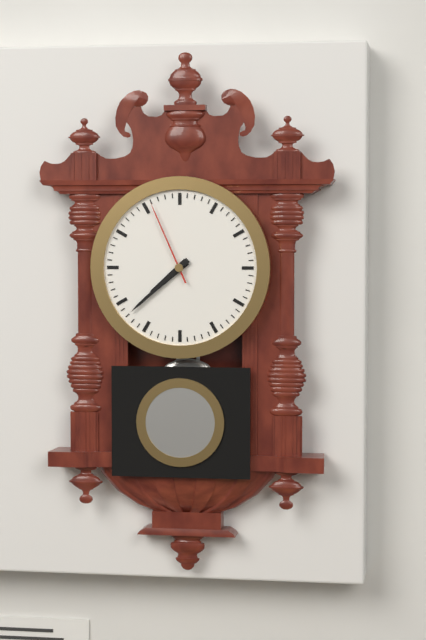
7,38,56
